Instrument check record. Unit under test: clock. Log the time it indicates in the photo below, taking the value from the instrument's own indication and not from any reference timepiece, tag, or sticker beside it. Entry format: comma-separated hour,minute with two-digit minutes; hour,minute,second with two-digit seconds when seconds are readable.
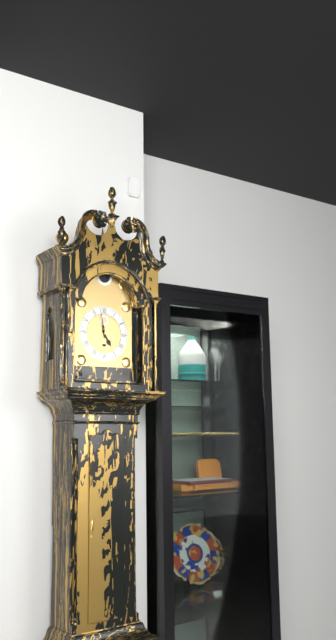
4,58
